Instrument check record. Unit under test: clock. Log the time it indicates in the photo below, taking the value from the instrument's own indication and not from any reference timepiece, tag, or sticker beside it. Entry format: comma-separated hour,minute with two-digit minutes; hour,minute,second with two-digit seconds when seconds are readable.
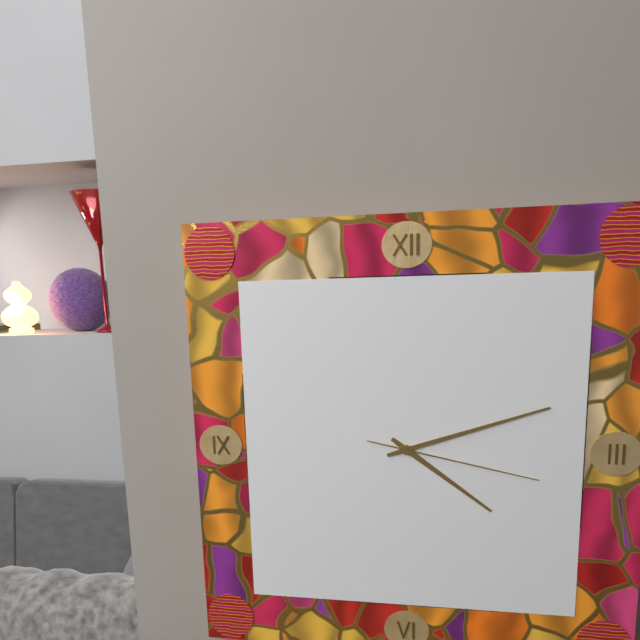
4,12,17
